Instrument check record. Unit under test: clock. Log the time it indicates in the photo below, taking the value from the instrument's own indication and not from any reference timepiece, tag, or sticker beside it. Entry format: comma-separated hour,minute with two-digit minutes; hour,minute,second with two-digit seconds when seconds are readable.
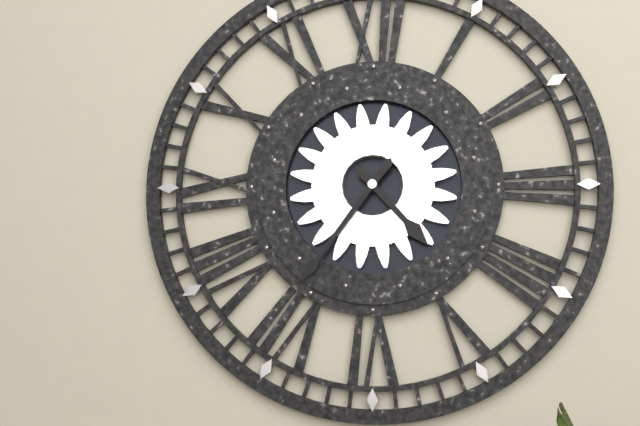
4,36
